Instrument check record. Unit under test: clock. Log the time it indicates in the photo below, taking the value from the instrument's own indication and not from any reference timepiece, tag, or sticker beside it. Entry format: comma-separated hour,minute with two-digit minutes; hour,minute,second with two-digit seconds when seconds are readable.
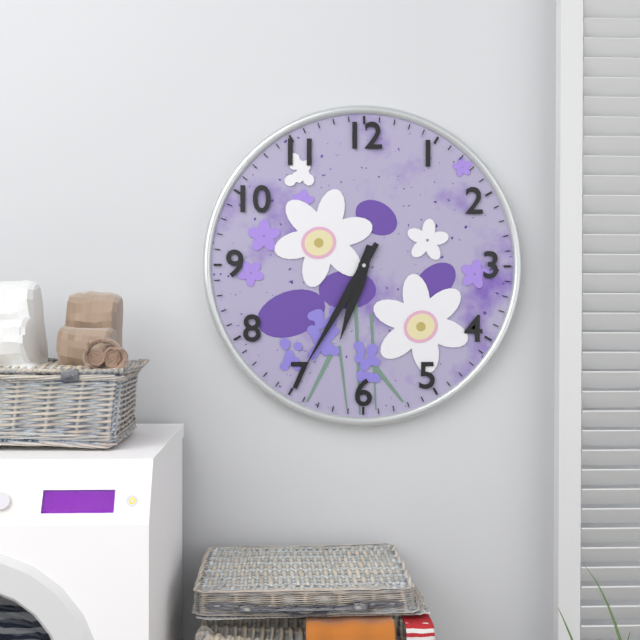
6,35
